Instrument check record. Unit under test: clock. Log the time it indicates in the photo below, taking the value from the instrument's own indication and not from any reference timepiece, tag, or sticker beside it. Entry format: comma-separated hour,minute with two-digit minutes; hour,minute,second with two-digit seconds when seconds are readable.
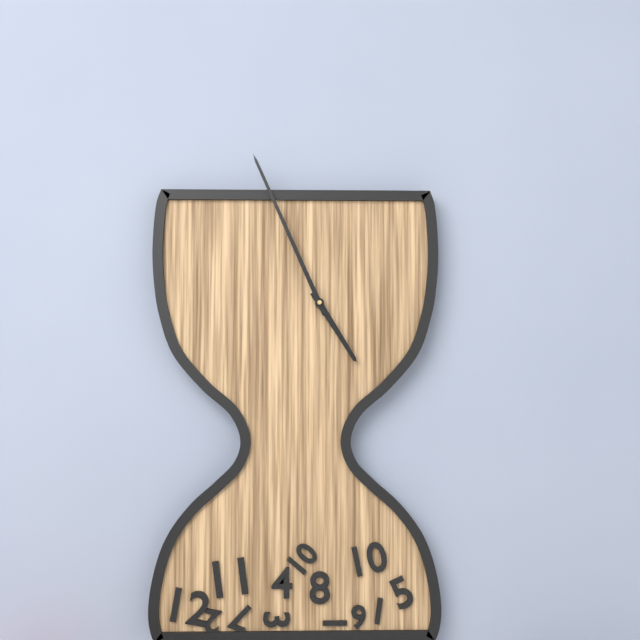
4,56
